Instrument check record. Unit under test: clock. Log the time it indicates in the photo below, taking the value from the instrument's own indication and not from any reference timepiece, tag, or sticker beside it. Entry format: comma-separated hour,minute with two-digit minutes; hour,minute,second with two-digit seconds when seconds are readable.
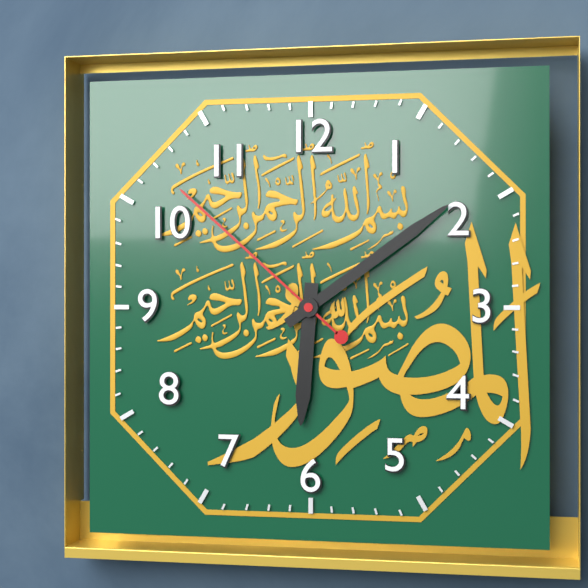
6,09,52
